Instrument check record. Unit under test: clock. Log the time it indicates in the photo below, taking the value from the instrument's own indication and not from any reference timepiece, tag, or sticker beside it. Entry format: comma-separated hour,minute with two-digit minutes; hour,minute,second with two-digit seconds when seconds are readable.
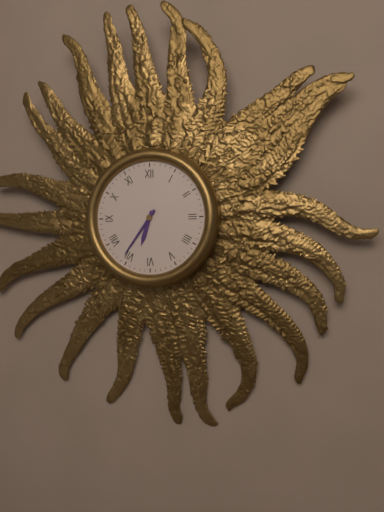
6,36
